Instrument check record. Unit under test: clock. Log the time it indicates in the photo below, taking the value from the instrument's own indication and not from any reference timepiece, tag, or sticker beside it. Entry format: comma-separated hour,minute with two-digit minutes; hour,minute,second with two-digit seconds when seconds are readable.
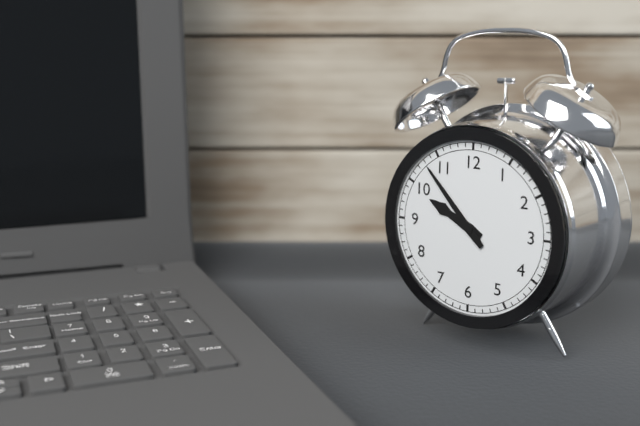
9,53
